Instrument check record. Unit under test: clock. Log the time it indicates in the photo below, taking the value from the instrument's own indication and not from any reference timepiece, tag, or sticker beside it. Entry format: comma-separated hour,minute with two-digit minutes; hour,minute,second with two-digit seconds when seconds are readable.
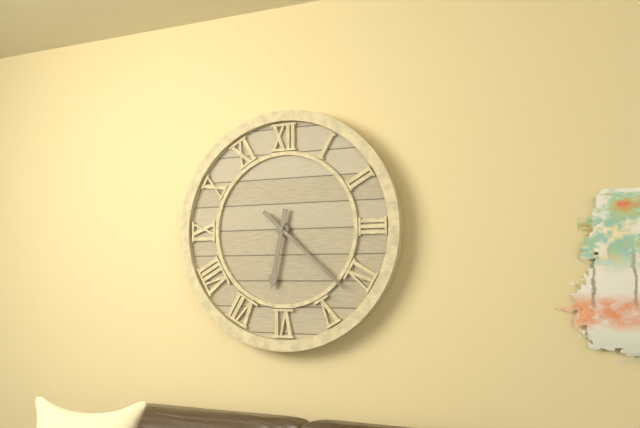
6,22
